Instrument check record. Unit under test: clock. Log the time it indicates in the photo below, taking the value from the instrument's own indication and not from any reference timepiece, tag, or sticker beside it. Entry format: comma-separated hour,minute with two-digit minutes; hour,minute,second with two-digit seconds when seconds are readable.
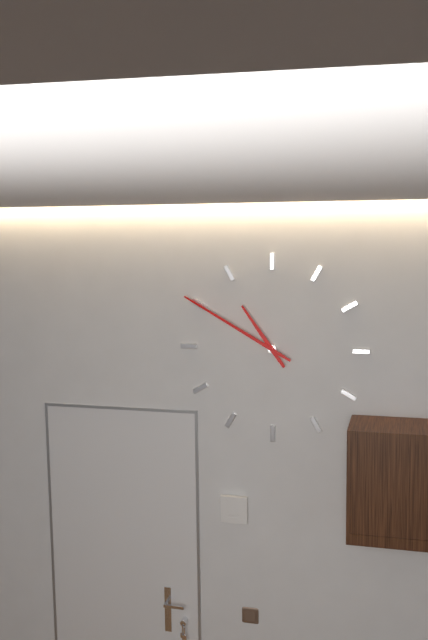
10,50
